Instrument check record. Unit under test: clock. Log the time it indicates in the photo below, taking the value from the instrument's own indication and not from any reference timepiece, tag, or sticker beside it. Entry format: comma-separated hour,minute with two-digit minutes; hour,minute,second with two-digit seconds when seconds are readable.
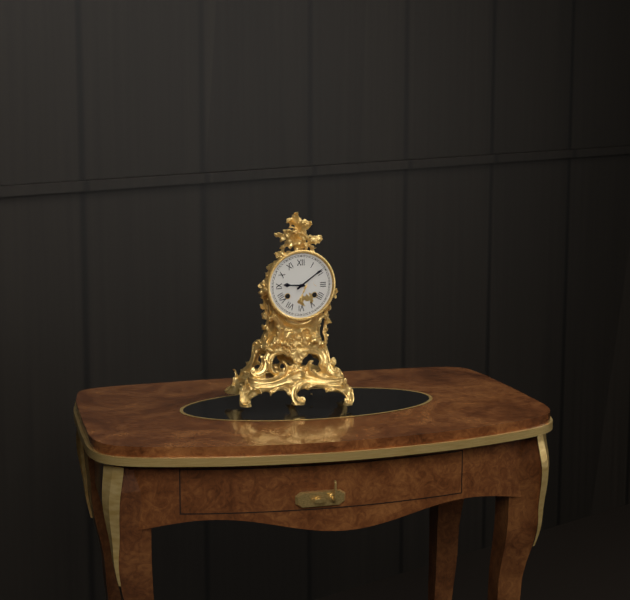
9,09
